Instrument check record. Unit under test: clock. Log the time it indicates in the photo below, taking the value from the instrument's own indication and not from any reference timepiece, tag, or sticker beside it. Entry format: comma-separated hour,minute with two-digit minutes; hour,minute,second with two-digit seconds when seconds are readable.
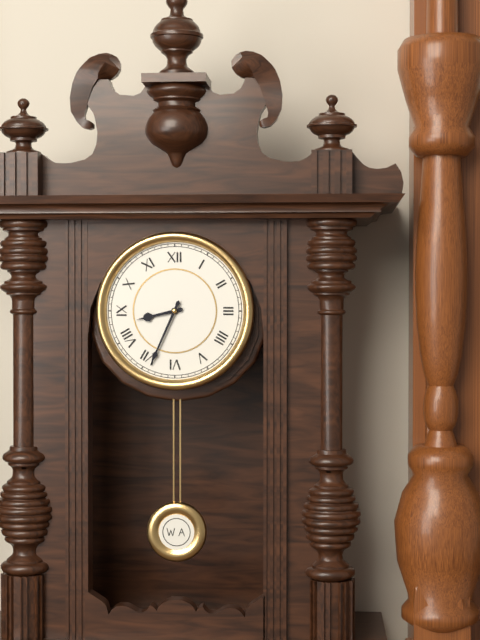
8,34
